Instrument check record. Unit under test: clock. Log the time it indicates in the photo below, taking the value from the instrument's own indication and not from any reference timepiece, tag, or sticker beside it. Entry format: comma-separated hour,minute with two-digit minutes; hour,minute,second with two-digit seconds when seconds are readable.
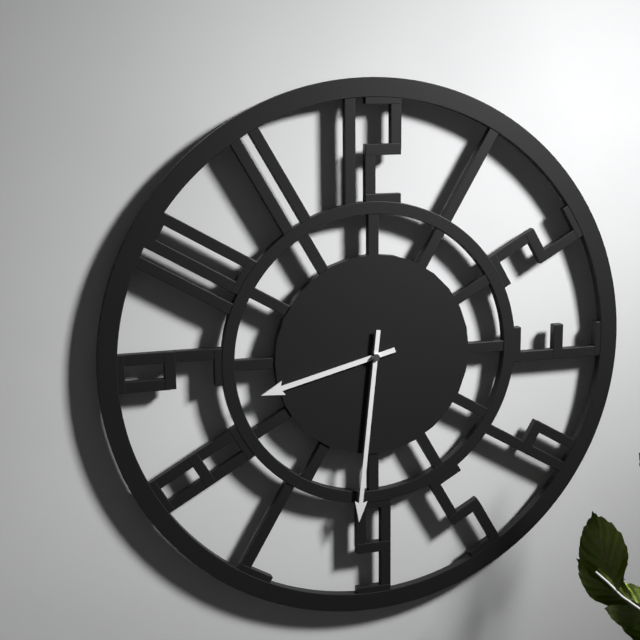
8,31
